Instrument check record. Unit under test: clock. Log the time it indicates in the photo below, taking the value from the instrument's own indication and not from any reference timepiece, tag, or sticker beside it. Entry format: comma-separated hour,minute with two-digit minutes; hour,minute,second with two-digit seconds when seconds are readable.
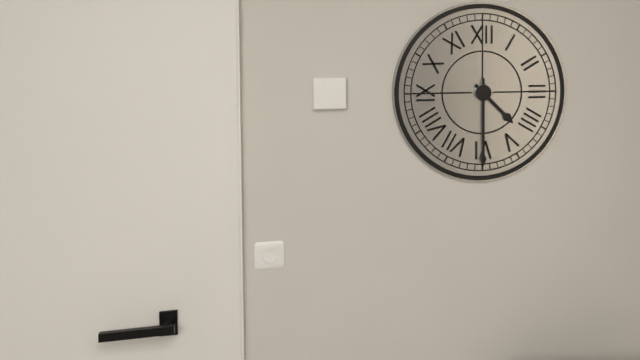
4,30
